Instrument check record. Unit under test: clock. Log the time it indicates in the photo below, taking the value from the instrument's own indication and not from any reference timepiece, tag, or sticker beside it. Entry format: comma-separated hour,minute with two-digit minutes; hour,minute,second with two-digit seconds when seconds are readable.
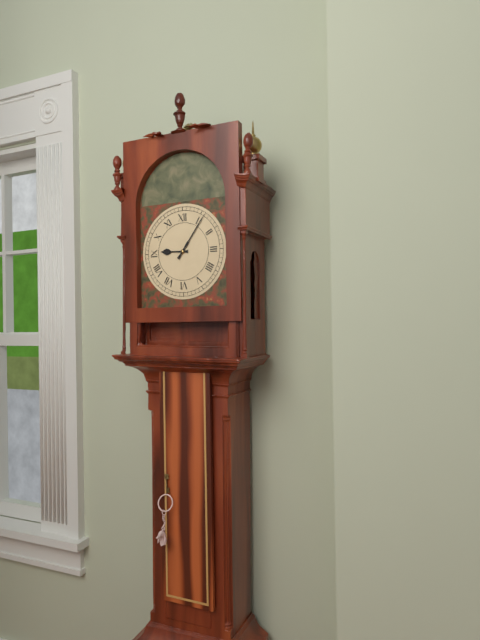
9,06
